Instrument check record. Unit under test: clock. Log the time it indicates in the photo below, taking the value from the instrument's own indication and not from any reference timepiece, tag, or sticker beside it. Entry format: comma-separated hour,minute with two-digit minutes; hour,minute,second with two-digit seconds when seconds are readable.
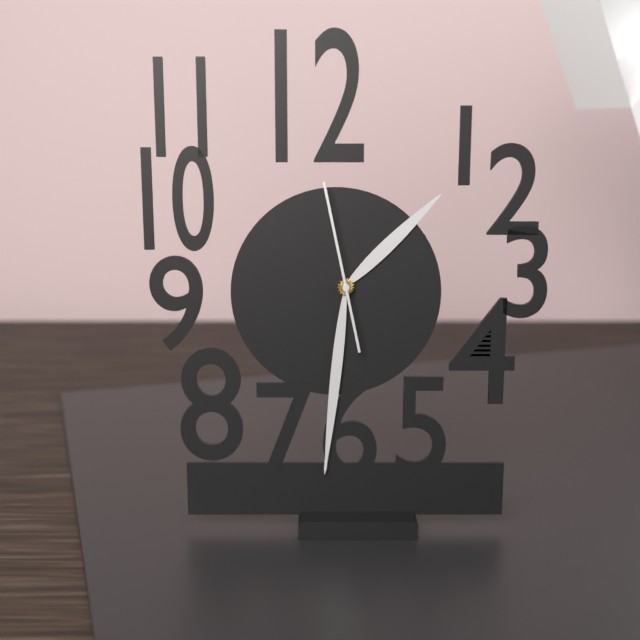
1,31,58
